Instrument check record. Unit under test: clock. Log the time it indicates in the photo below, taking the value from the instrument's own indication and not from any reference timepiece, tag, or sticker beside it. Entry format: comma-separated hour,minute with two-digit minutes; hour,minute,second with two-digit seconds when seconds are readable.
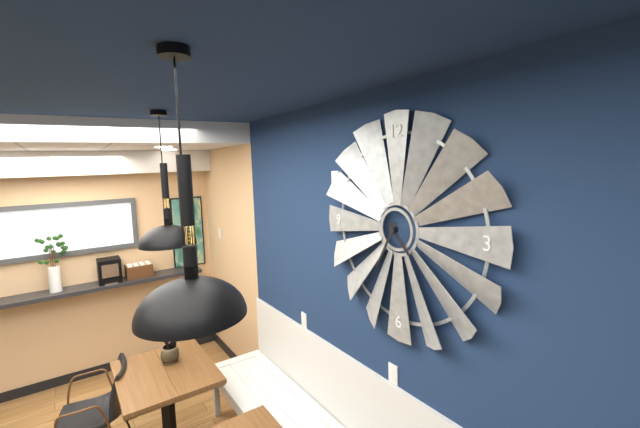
4,35
